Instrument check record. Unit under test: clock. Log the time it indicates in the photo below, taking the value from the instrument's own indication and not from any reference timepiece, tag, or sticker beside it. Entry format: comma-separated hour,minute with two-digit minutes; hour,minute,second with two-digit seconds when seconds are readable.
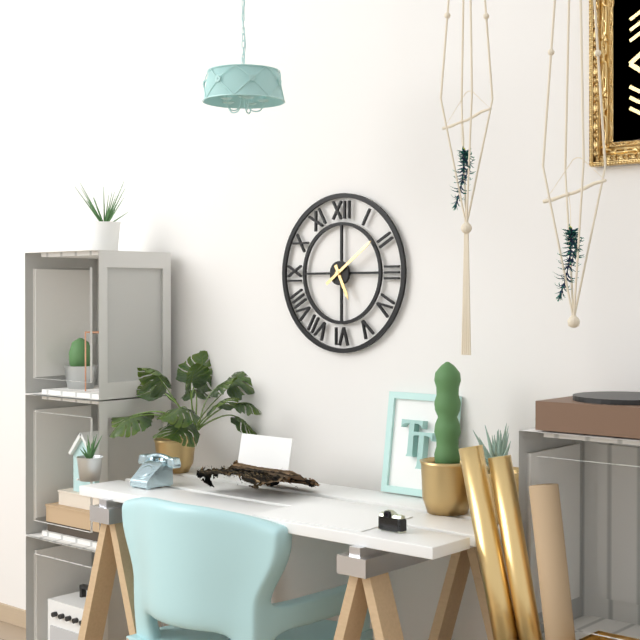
5,09
